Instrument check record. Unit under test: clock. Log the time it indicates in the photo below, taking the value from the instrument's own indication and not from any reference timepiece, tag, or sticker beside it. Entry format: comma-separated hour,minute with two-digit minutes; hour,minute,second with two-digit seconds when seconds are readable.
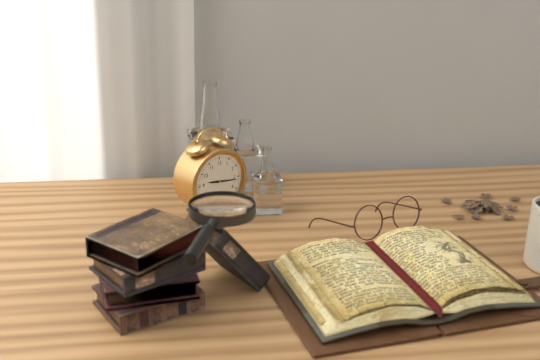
9,16
